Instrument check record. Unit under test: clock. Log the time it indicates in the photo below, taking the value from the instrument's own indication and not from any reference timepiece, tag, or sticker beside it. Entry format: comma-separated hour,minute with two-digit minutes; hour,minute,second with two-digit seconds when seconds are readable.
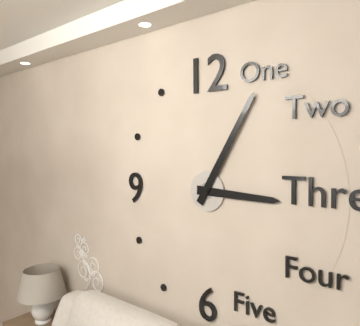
3,05
